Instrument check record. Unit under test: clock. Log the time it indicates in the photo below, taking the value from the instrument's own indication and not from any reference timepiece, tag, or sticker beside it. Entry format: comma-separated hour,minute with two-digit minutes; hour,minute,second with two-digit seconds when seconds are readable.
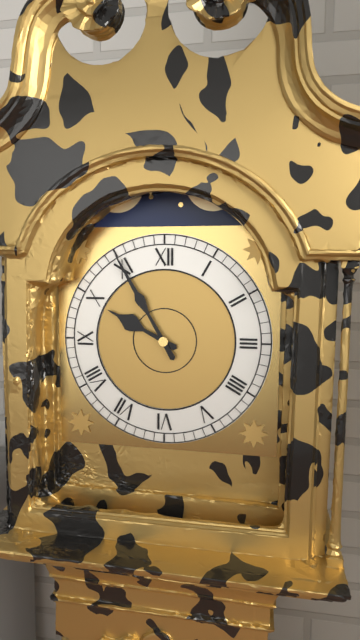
9,55
